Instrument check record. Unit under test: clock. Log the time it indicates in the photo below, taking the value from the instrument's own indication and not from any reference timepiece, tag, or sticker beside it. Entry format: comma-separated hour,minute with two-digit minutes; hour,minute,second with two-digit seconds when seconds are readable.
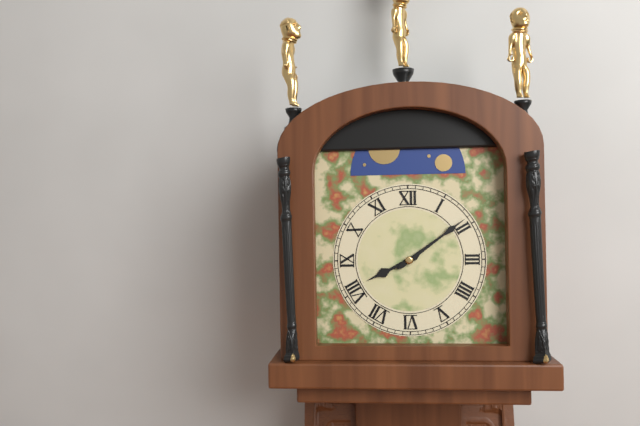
8,09
